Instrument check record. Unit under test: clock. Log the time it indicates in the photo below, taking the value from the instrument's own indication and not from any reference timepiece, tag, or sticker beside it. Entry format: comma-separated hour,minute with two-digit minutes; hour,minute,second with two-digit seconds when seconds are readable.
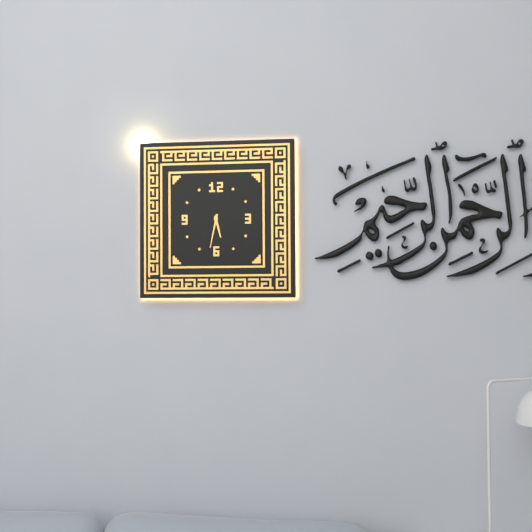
5,32
